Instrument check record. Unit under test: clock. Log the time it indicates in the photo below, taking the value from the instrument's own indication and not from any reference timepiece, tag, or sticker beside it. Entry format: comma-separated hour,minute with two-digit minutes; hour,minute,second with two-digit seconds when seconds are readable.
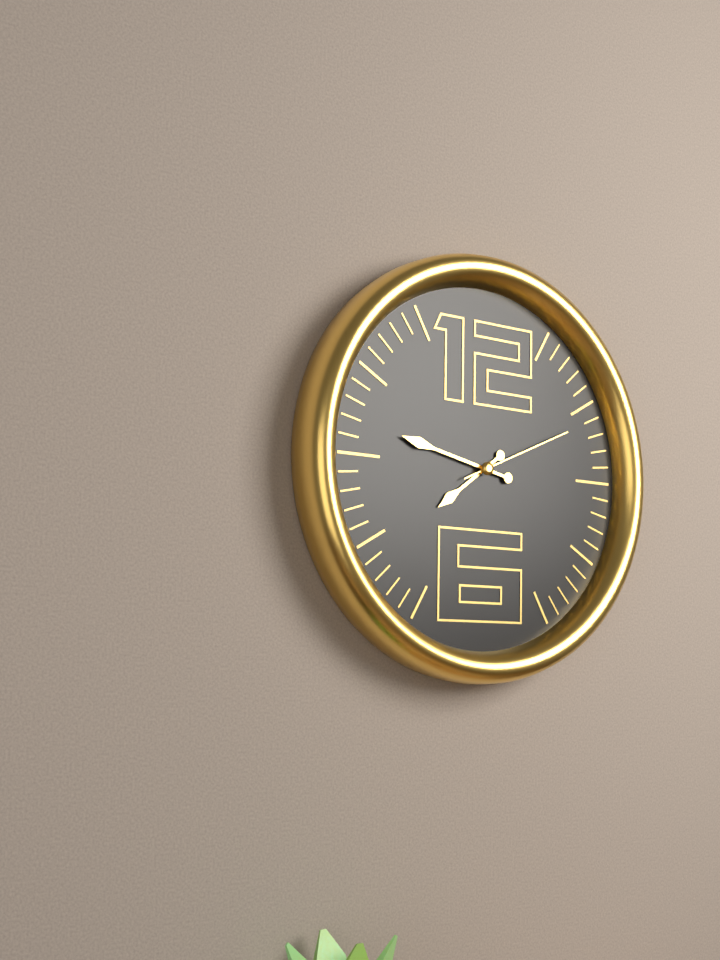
7,47,11
